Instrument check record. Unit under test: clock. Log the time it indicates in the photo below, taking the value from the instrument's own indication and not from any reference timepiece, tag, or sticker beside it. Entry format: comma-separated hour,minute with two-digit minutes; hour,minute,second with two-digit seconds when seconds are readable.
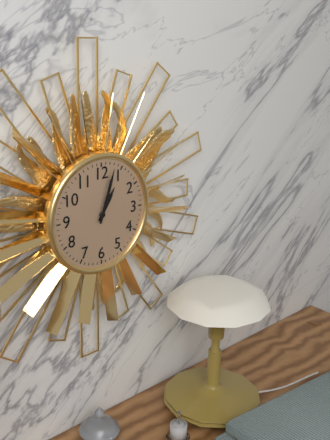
1,03
